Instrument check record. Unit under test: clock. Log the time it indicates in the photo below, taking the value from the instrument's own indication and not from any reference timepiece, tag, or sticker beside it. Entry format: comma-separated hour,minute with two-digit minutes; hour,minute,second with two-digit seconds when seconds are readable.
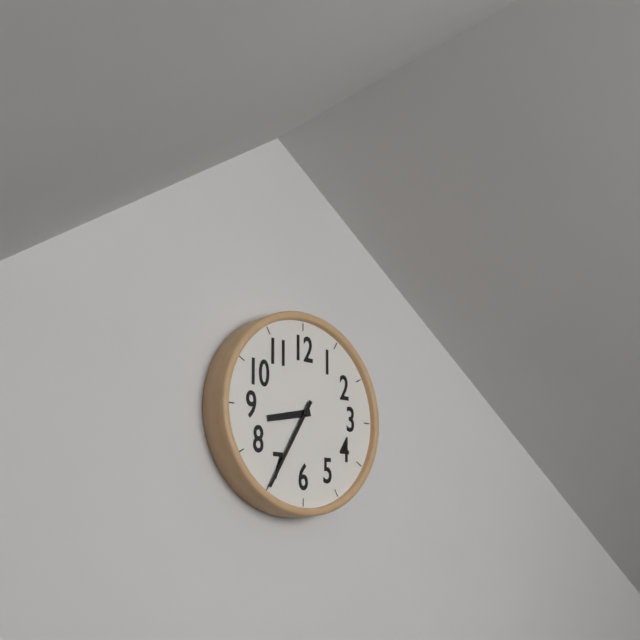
8,35
